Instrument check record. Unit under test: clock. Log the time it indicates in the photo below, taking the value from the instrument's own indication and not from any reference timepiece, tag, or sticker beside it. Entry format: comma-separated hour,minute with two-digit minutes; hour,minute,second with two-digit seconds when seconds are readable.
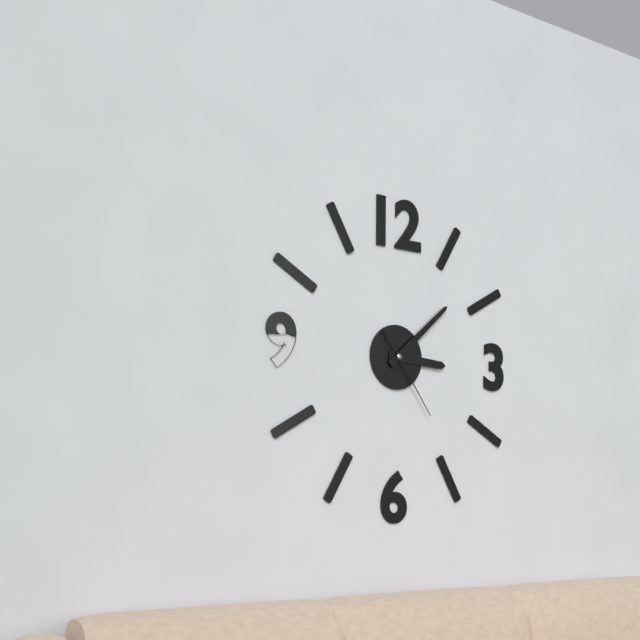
3,08,24
